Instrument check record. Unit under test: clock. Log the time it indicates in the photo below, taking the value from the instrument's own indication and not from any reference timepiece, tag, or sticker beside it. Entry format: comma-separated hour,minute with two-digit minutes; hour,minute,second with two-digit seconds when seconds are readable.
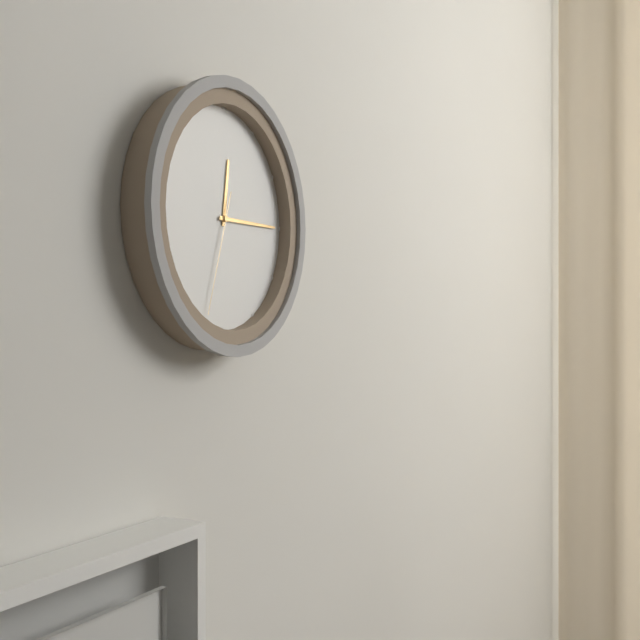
12,15,33
